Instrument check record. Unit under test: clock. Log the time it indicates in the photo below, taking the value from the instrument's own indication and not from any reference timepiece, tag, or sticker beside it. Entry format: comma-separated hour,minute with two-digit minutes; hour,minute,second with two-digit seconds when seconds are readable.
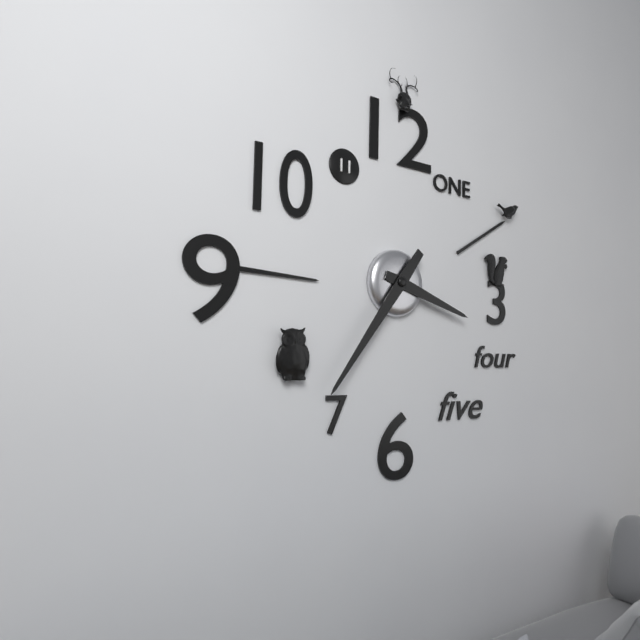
3,36
